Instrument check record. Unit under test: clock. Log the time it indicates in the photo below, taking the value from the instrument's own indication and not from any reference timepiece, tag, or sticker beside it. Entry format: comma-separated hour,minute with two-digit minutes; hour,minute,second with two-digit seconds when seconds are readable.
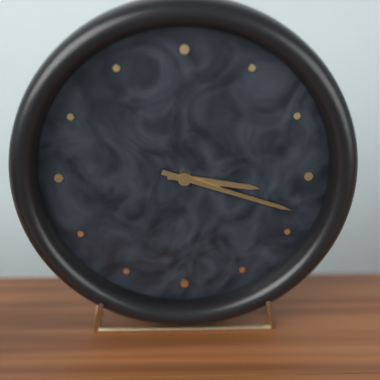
3,18
